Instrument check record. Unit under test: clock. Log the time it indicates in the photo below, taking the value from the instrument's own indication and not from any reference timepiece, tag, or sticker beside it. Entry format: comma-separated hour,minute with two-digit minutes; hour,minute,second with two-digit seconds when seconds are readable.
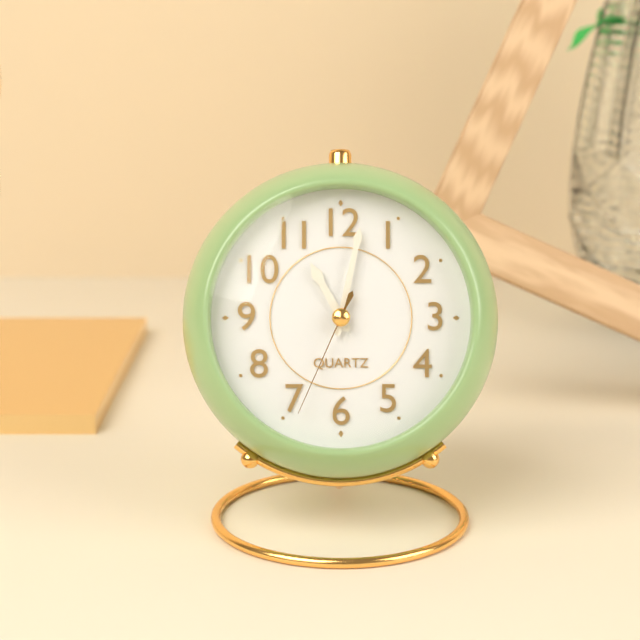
11,02,34
